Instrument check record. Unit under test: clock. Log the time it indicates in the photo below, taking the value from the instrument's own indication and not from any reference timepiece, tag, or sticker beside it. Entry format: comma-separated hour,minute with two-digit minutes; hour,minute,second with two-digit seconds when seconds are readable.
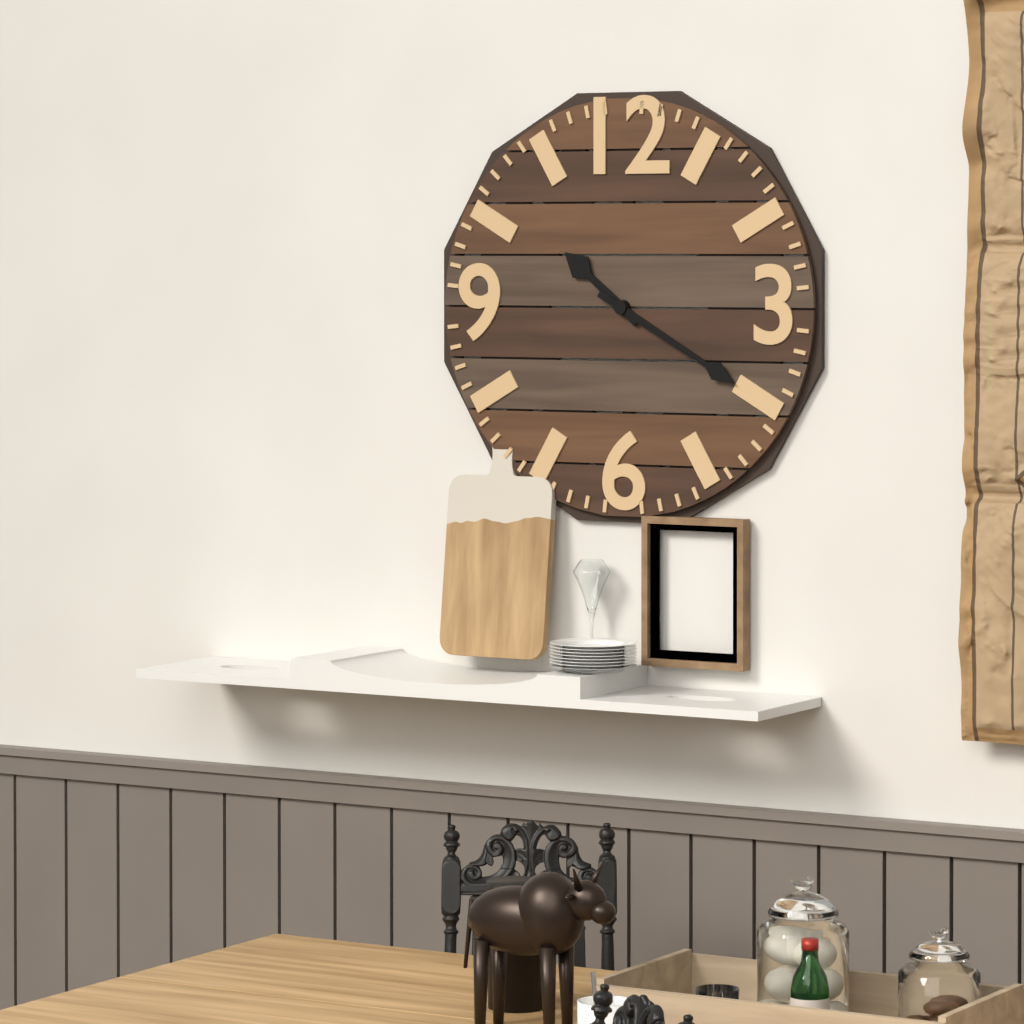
10,20
